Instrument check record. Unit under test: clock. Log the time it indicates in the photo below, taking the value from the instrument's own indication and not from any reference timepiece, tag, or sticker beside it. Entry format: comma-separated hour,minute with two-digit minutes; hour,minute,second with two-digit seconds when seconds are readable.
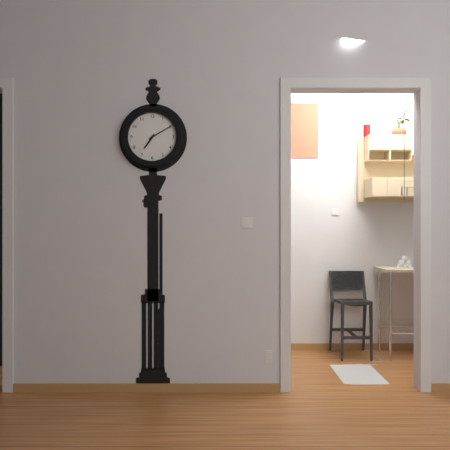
7,10
